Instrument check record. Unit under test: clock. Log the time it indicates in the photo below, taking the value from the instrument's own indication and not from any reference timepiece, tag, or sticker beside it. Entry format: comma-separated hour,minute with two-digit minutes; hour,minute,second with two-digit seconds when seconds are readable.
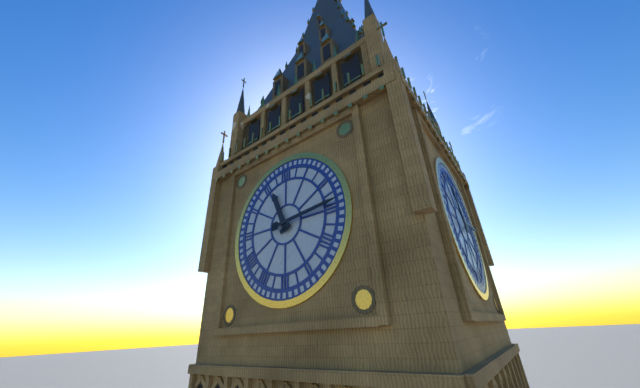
11,14
